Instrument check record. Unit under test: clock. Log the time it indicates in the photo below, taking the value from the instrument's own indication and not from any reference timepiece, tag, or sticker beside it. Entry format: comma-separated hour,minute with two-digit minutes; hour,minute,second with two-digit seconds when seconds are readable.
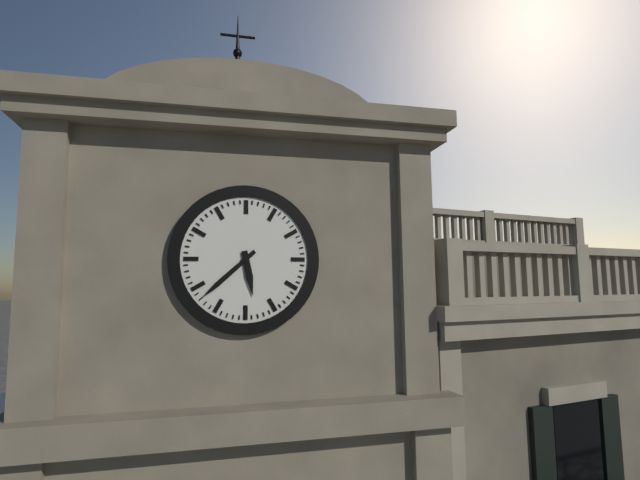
5,38
